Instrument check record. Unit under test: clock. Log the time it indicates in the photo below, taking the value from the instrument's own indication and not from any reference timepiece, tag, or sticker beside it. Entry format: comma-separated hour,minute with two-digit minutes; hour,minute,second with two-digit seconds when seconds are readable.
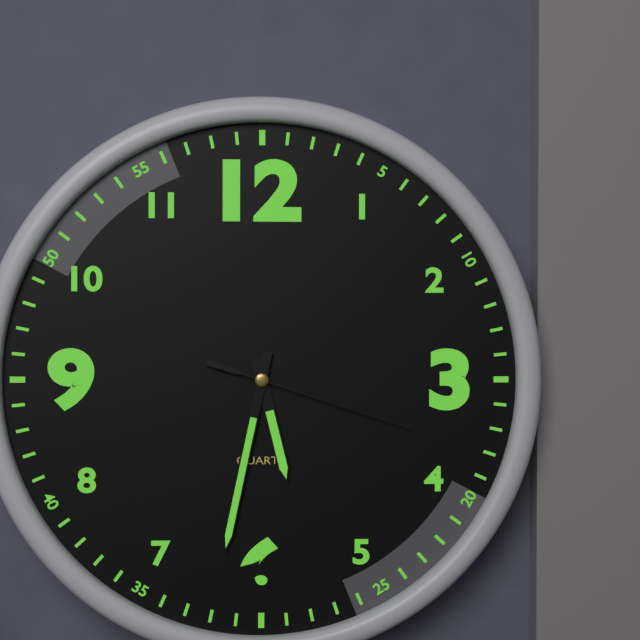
5,32,18
